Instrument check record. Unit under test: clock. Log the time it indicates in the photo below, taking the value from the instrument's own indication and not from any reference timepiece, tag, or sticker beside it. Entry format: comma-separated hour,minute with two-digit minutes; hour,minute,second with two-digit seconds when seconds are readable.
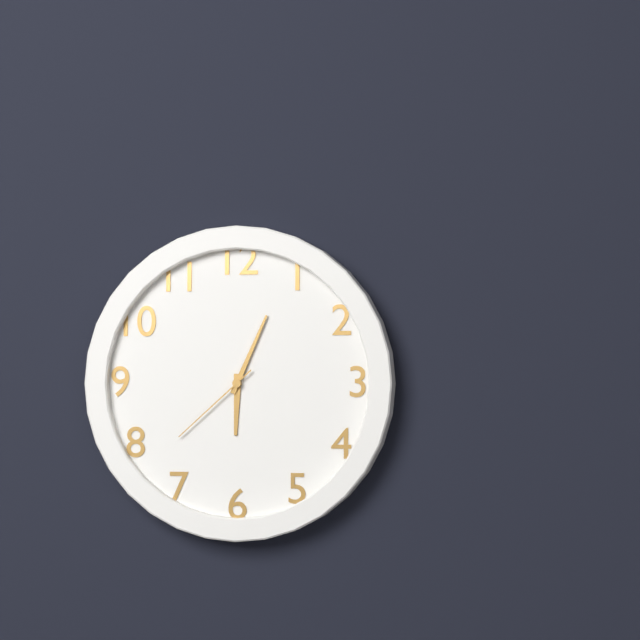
6,04,38
